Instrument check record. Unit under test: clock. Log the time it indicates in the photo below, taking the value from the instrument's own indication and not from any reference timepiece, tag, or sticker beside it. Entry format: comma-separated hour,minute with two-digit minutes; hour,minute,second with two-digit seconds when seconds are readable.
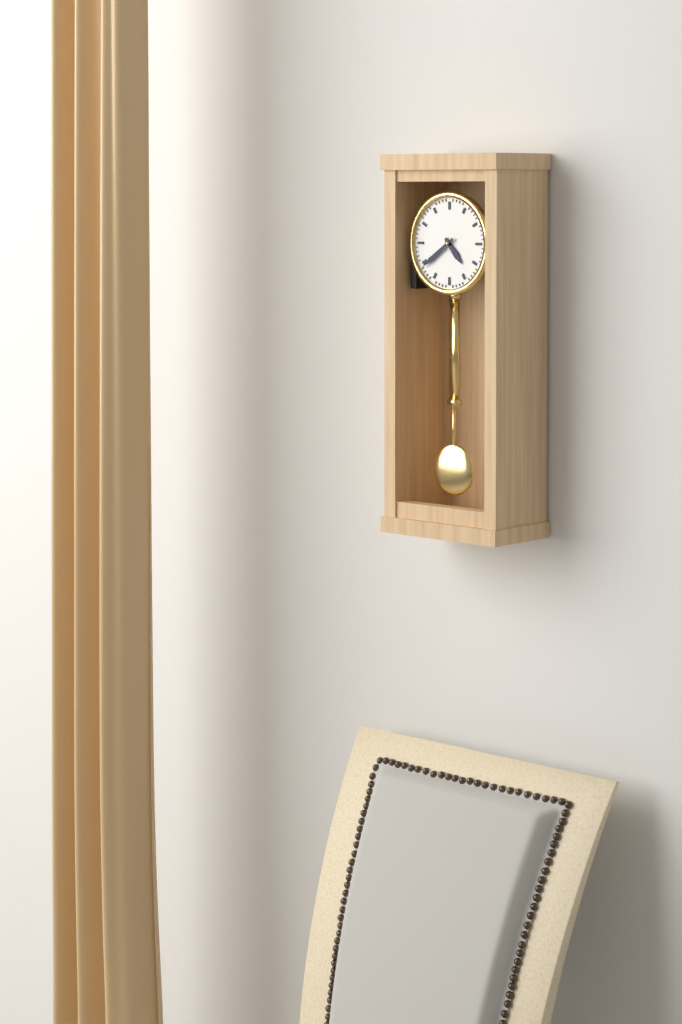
4,39
